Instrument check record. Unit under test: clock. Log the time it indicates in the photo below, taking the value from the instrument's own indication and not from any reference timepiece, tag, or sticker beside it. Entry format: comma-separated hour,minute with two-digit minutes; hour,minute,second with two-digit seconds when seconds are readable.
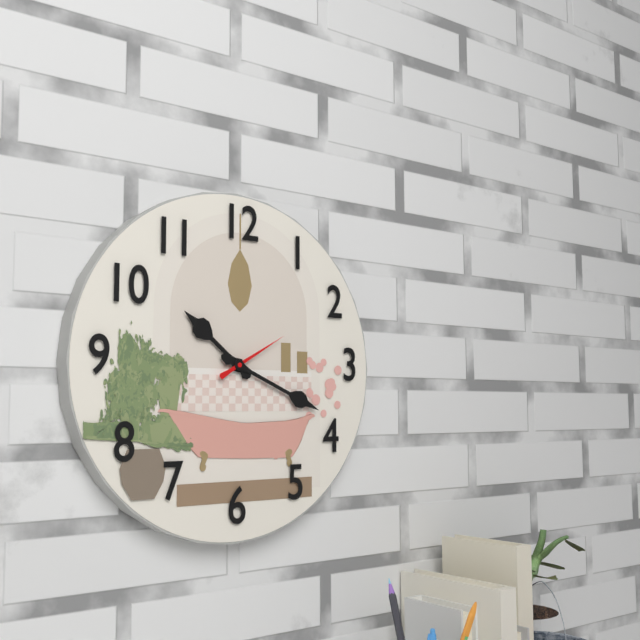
10,19,10
